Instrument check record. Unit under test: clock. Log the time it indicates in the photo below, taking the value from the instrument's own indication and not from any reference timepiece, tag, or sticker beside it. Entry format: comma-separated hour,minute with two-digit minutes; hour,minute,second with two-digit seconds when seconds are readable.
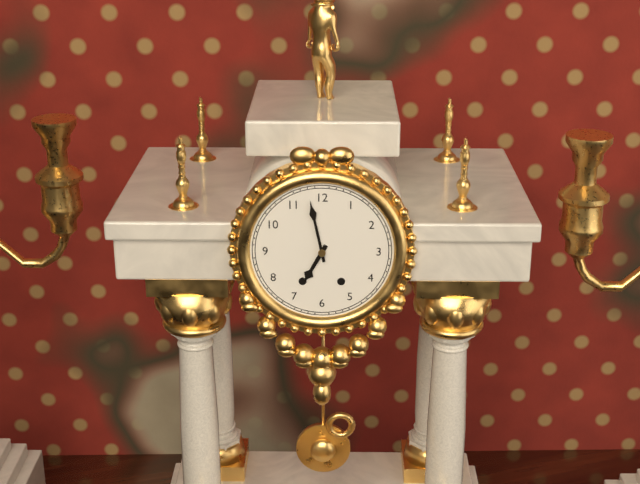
6,58
